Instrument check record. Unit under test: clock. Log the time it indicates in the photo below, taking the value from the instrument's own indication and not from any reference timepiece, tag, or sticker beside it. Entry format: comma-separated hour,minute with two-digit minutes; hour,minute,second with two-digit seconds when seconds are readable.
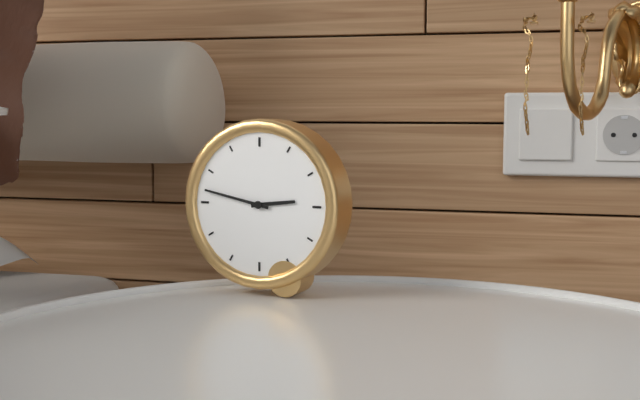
2,47
